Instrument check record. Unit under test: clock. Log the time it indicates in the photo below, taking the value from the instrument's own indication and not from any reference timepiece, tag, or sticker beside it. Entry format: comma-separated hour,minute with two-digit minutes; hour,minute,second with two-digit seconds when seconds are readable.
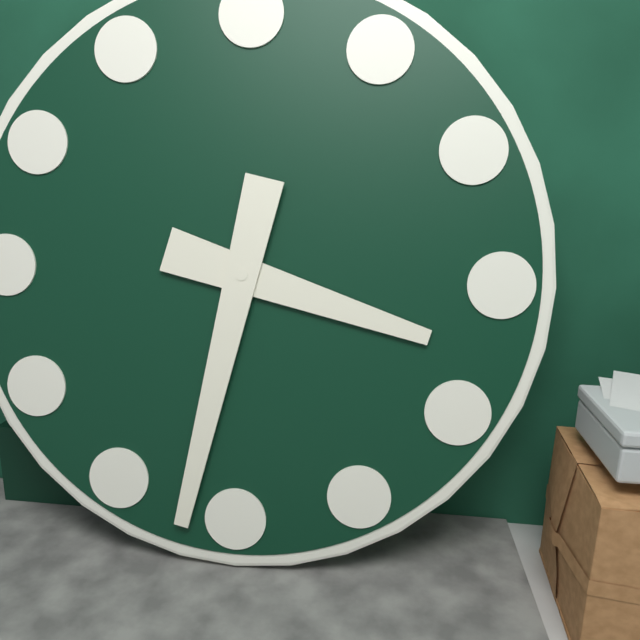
3,32
